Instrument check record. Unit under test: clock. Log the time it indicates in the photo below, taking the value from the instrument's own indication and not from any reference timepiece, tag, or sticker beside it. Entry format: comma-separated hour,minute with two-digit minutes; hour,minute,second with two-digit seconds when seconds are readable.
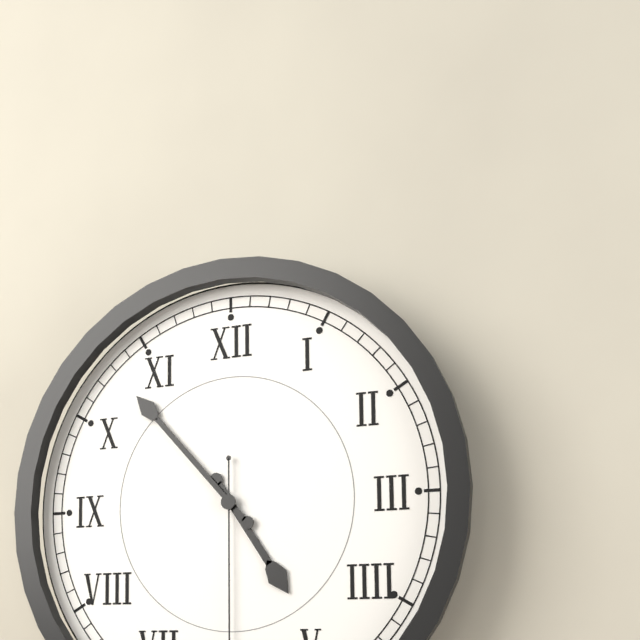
4,53
